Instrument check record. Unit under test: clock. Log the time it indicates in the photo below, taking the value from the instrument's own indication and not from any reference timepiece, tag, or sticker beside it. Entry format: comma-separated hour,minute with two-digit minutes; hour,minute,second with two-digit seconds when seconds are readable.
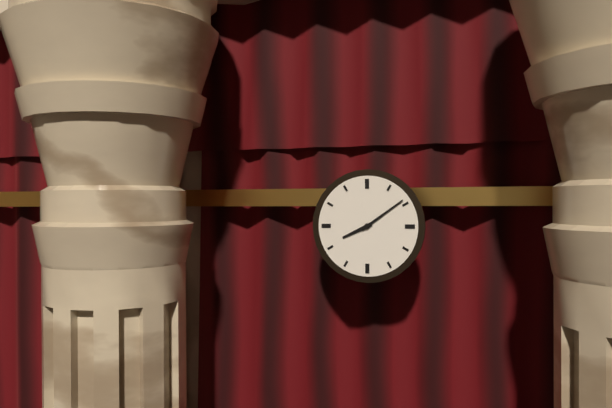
8,09
